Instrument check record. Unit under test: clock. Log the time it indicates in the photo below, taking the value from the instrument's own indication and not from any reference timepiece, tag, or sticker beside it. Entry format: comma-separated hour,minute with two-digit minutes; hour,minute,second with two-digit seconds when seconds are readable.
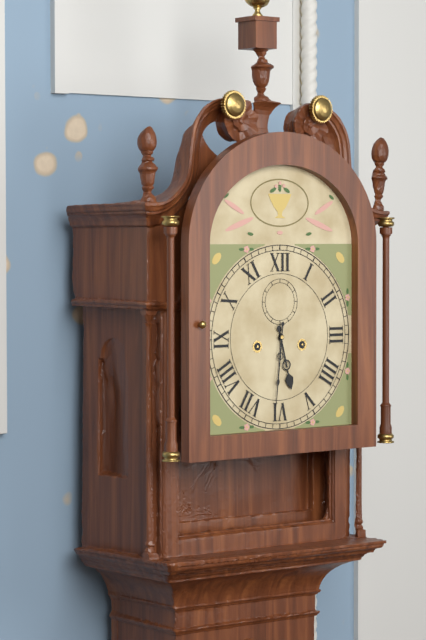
5,31
